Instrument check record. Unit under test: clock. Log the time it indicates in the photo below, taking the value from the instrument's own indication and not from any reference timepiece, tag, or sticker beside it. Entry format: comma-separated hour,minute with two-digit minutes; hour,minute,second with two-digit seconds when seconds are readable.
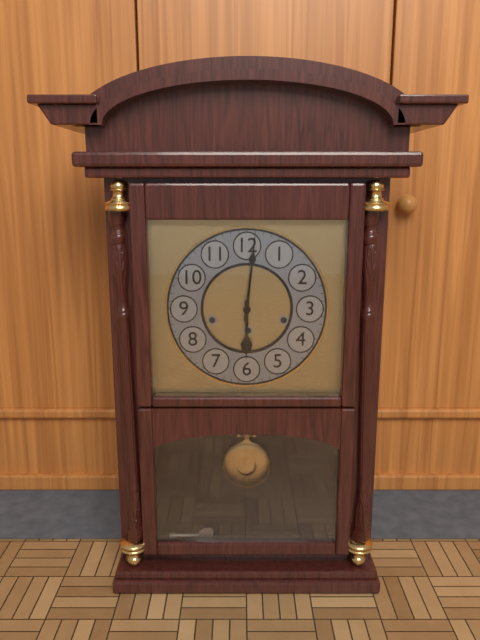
6,01
